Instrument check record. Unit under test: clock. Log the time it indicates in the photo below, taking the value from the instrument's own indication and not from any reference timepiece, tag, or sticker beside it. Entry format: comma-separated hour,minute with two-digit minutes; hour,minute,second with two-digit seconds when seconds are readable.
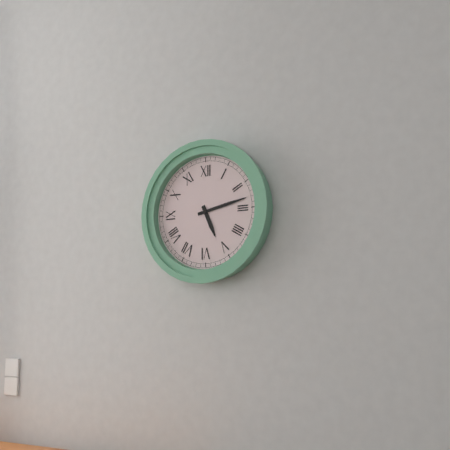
5,13
